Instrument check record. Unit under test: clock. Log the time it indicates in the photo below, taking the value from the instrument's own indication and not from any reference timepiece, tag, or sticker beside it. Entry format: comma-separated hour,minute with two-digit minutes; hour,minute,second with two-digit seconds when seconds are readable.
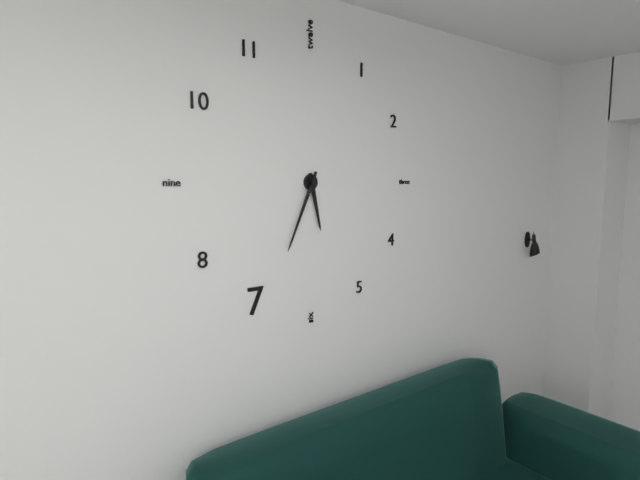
5,34
